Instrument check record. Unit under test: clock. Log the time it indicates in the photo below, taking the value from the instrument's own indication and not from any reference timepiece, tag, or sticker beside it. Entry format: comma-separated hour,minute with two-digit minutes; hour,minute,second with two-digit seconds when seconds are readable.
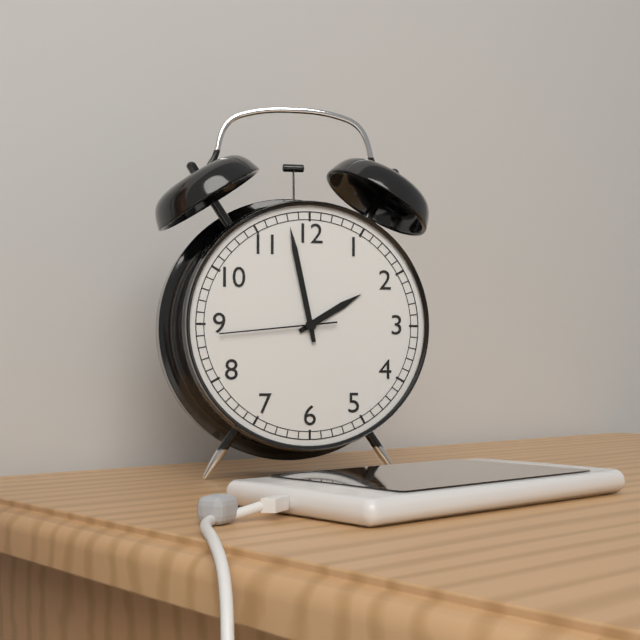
1,58,44
